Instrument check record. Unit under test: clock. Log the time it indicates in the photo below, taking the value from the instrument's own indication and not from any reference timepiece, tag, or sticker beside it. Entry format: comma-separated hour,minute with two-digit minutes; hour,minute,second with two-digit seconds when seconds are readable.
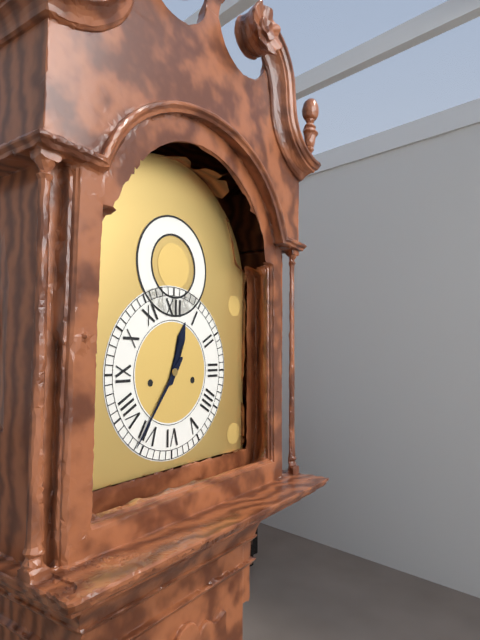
12,36
